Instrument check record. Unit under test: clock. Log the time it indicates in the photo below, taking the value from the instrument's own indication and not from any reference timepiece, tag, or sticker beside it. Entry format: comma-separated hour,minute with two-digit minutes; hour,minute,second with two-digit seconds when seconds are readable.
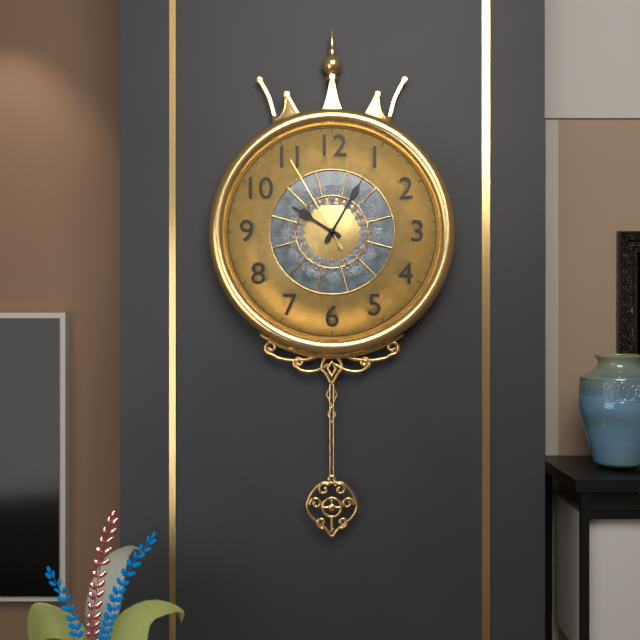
10,05,55
